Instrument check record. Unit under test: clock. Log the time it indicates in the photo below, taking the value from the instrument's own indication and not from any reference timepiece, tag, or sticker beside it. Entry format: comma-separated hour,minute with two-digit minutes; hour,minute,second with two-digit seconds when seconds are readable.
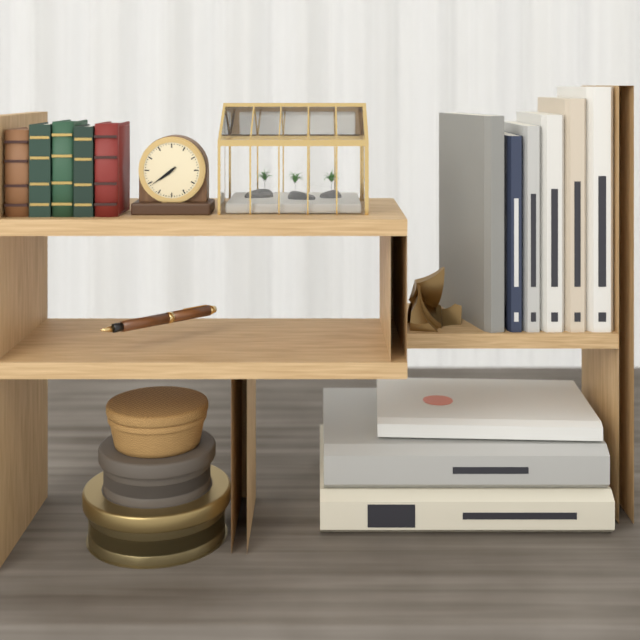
7,39
